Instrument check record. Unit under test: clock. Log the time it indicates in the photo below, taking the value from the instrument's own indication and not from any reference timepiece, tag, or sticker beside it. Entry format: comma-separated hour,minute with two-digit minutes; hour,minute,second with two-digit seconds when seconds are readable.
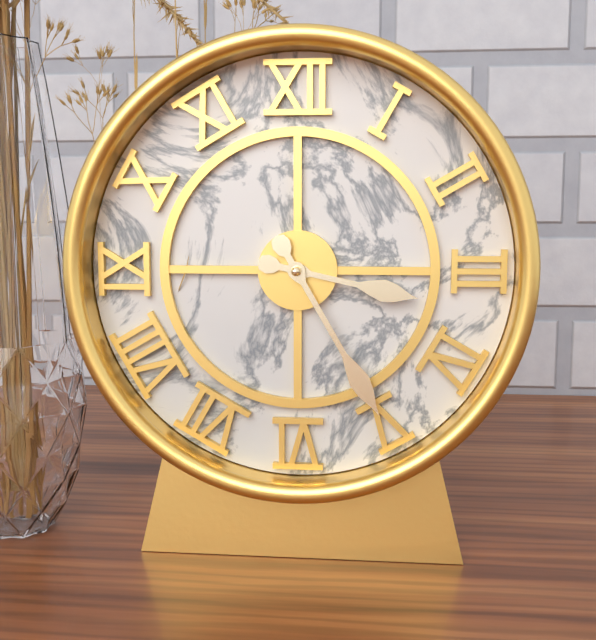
3,25
